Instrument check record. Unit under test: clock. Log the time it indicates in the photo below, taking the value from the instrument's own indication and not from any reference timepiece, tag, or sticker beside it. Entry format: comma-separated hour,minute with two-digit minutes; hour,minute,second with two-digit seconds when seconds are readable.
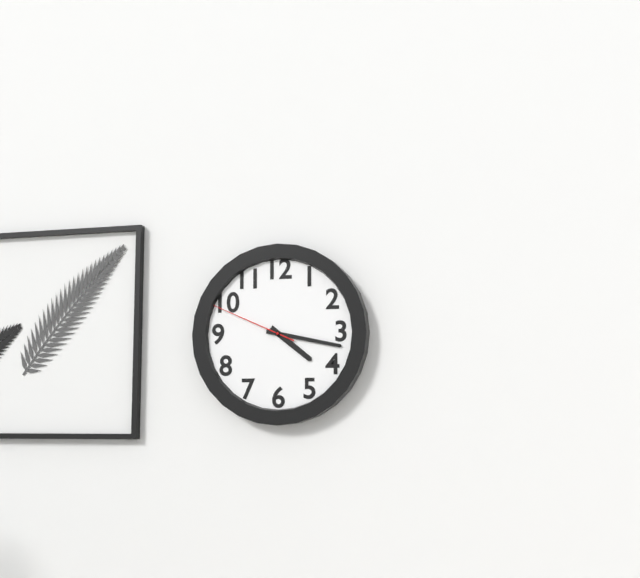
4,17,49
